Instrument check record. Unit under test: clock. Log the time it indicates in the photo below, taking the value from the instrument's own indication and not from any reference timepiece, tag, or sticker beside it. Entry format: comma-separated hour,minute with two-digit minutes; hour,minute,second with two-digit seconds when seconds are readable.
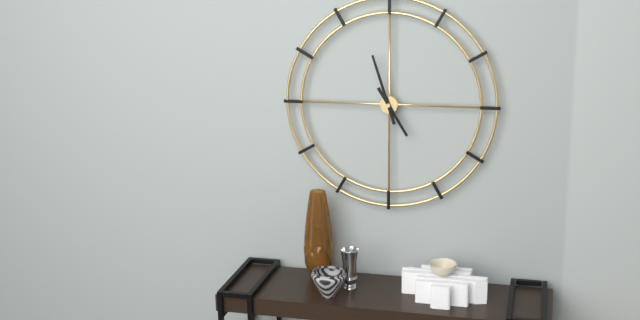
4,57
